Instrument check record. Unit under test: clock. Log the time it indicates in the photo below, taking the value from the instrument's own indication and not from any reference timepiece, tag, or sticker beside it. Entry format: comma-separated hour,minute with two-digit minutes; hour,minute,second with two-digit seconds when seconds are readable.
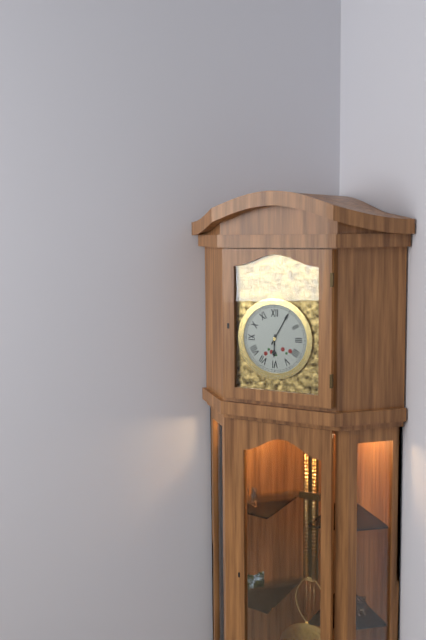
6,05
